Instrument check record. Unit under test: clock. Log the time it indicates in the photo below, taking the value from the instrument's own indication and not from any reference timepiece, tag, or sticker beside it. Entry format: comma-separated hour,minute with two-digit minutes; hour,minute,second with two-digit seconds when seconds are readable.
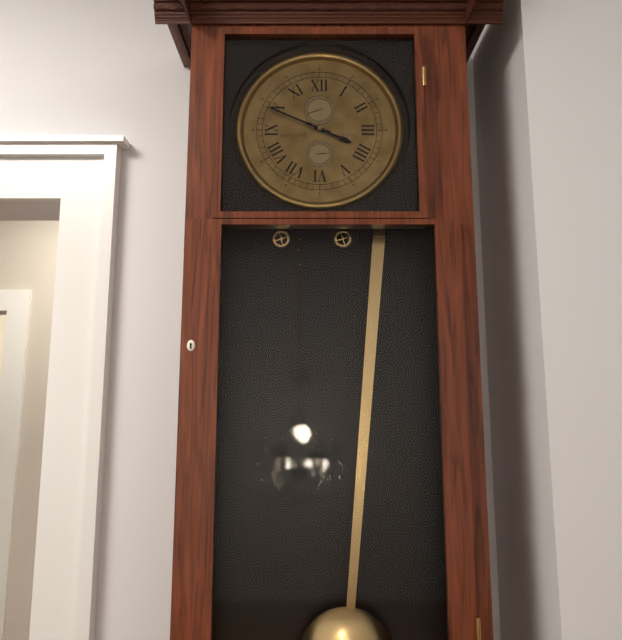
3,49
